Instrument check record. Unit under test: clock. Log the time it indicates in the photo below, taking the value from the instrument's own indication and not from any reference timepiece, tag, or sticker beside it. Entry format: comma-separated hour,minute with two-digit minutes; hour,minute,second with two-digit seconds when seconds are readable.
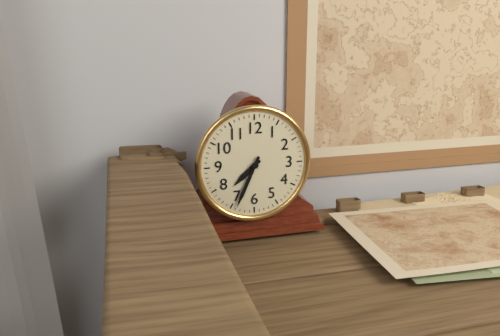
7,34
